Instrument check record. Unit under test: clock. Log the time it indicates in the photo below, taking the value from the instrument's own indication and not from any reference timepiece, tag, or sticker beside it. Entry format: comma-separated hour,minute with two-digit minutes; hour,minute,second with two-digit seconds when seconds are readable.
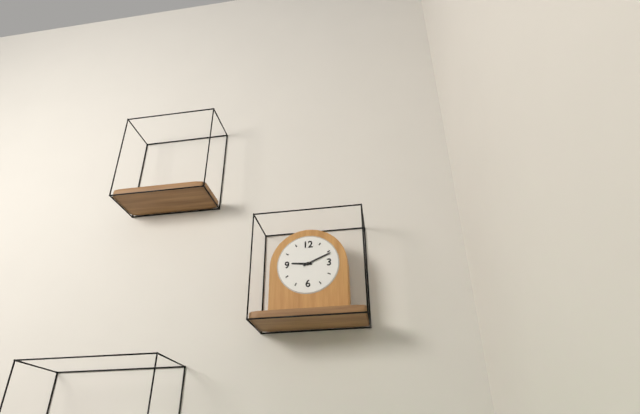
9,11
